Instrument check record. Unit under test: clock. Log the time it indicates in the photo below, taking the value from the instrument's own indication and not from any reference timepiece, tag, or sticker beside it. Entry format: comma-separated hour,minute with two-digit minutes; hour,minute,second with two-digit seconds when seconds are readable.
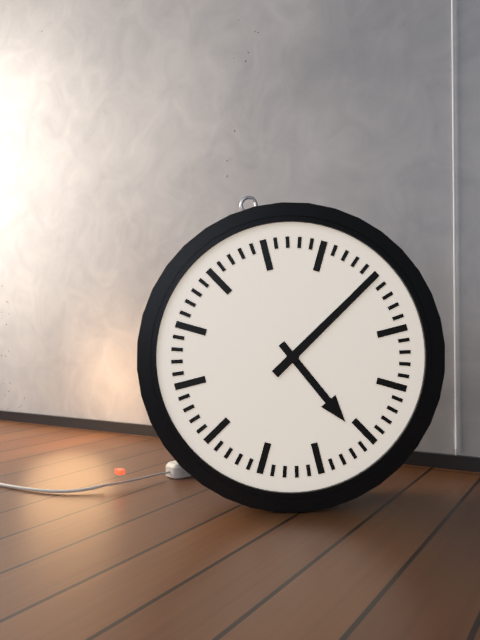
5,10
